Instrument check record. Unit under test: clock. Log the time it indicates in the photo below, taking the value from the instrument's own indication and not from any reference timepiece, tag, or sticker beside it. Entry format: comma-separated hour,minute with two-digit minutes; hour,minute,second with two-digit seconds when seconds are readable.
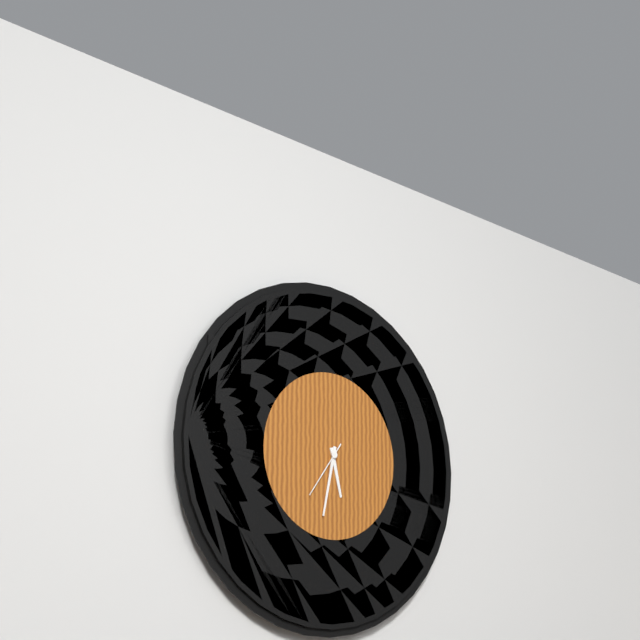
5,32,36
